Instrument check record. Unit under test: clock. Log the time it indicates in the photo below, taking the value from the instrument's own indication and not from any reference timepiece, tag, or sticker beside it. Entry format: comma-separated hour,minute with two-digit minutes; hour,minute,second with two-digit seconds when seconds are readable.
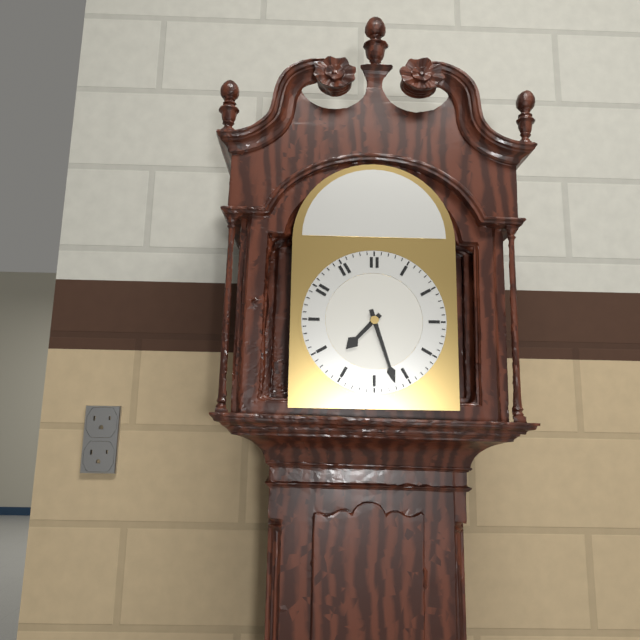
7,27
